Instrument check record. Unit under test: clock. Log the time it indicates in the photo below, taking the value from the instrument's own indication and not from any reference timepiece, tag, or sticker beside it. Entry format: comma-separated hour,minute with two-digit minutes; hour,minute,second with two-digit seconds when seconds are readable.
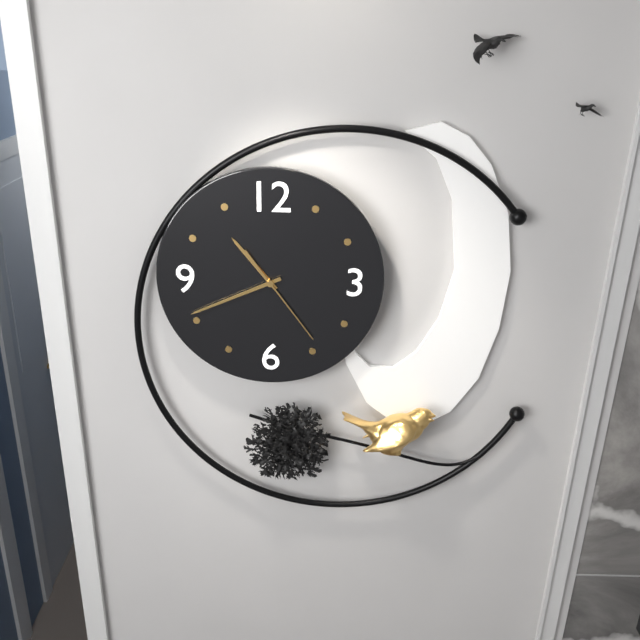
10,41,24
